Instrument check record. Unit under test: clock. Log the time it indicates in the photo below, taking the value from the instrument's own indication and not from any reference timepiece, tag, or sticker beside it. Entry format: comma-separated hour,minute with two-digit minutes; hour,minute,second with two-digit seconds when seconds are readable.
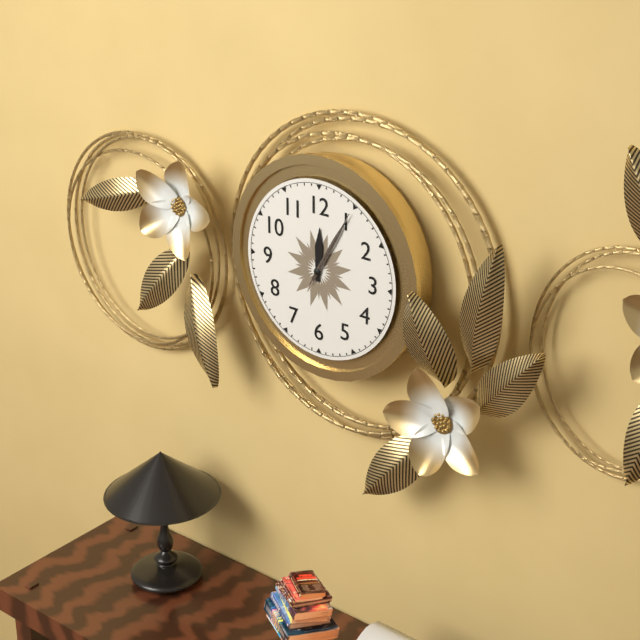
12,05,05
